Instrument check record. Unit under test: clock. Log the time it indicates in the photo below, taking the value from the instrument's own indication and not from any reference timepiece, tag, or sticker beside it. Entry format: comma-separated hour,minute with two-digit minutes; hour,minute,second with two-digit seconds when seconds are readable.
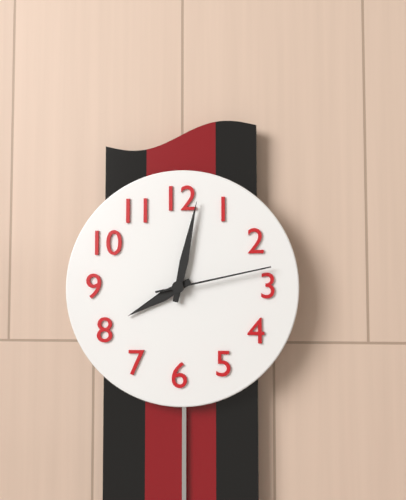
8,02,13
